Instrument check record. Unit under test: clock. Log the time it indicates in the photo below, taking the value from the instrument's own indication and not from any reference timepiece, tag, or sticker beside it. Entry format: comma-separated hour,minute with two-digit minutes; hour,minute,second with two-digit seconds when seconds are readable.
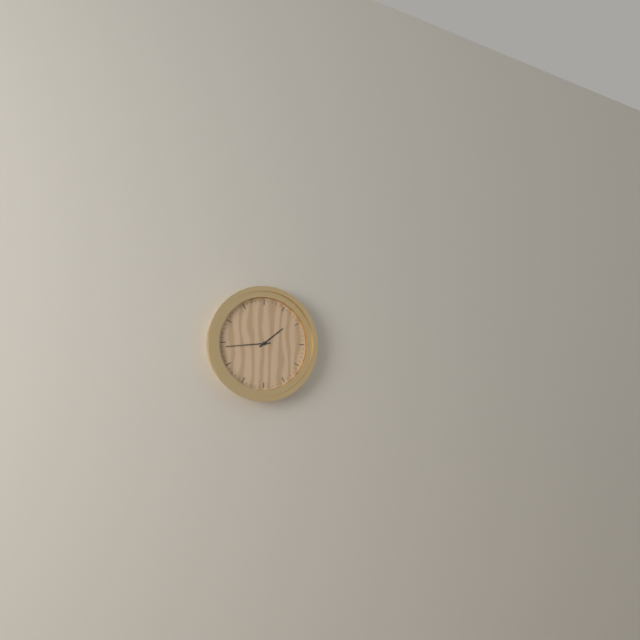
1,44
